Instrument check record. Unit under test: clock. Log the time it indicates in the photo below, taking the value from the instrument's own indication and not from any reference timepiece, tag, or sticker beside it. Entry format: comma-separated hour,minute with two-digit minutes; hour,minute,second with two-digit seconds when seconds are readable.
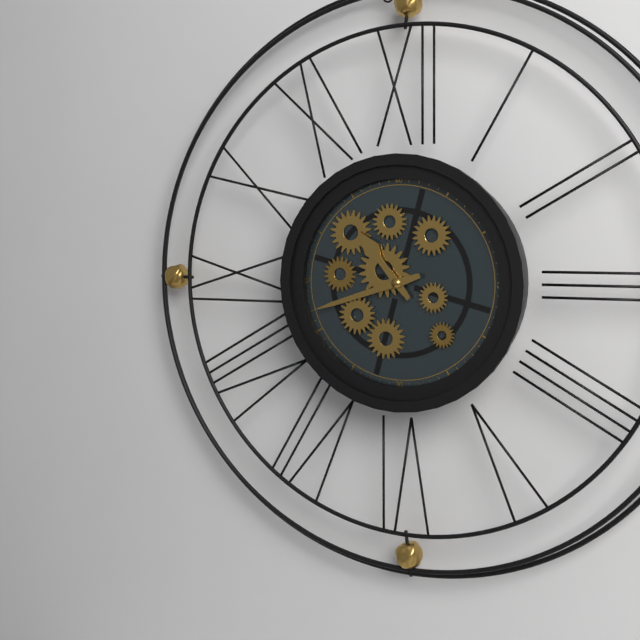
10,42
